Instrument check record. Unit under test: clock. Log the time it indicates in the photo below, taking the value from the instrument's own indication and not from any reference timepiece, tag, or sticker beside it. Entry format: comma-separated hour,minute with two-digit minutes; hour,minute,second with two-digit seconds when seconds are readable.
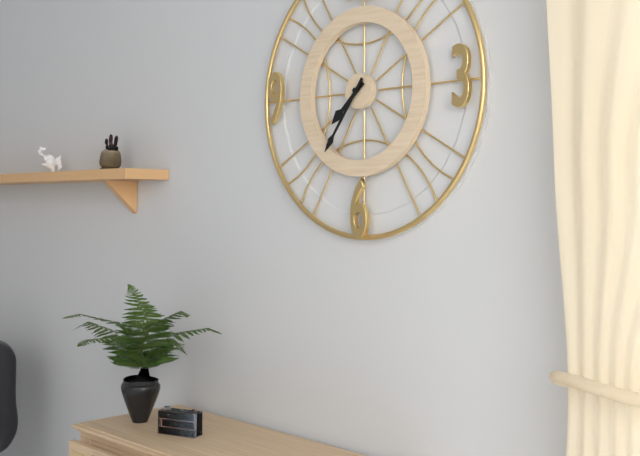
7,36
